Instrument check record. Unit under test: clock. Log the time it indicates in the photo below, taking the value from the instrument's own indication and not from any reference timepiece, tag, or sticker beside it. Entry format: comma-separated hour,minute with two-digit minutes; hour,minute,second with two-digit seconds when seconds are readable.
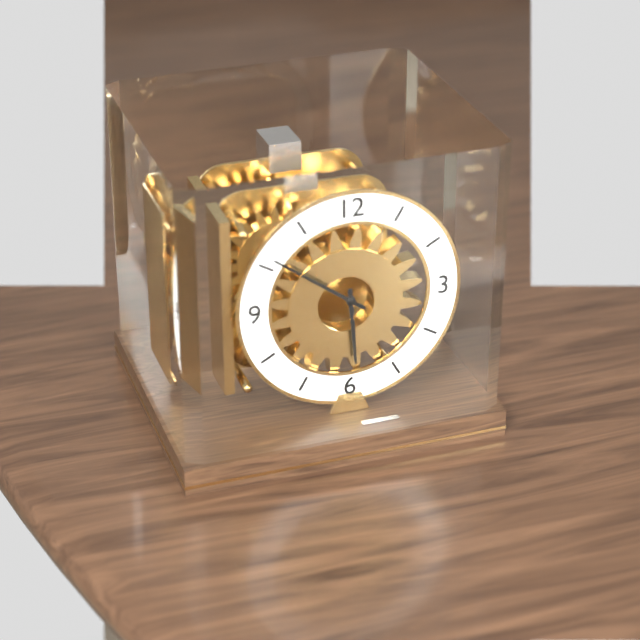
5,51
